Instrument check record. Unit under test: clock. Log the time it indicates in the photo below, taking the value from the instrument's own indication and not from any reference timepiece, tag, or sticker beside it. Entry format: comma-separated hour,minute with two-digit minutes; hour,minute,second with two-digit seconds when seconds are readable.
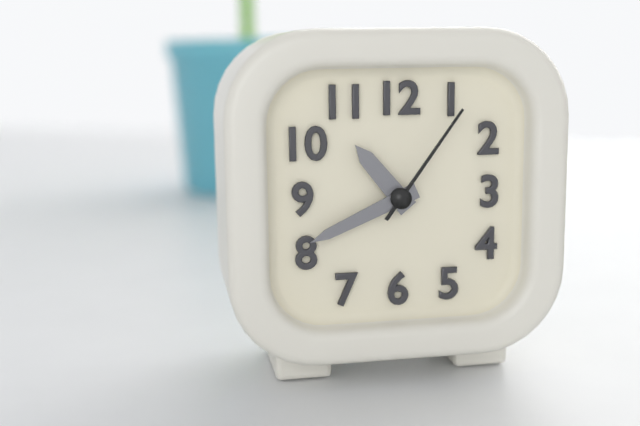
10,41,06
